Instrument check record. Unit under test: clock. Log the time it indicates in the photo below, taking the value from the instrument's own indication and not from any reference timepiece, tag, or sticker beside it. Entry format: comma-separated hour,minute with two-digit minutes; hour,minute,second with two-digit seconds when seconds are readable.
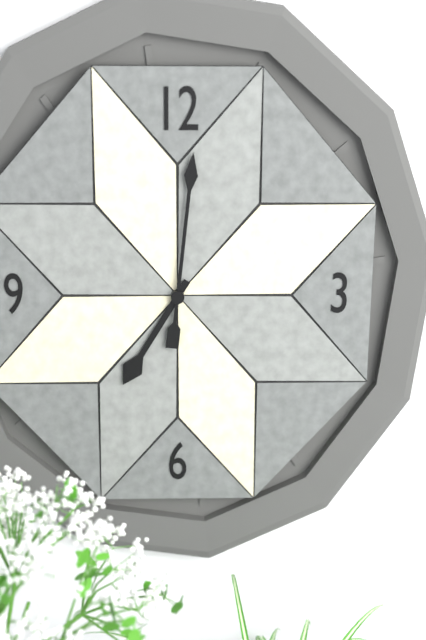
7,01
